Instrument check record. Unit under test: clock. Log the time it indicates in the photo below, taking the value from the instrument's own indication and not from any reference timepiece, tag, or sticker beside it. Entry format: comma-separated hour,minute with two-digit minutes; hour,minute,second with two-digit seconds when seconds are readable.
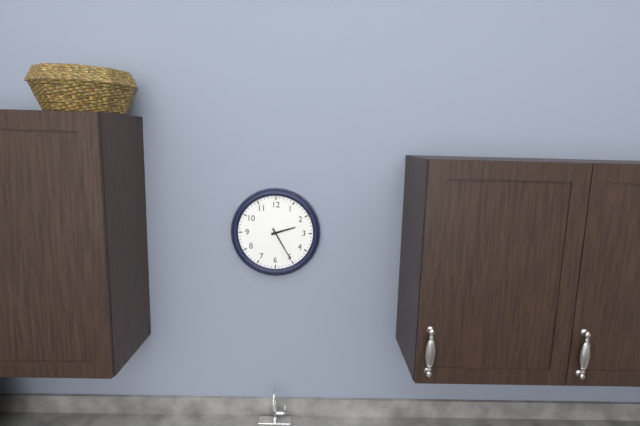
2,25
